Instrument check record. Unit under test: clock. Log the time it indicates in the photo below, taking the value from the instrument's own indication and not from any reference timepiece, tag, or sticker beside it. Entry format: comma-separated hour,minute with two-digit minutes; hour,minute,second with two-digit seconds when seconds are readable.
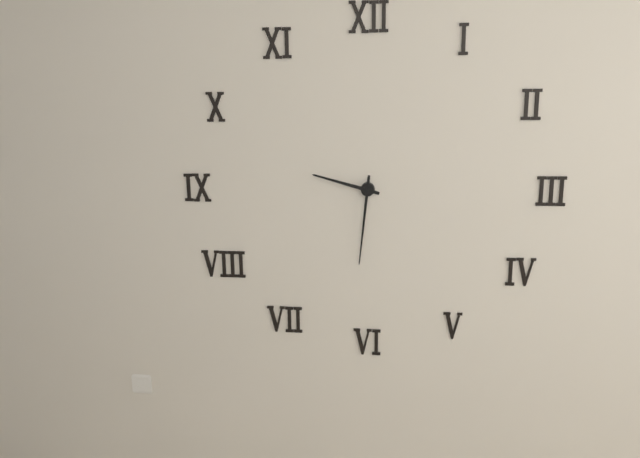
9,31
